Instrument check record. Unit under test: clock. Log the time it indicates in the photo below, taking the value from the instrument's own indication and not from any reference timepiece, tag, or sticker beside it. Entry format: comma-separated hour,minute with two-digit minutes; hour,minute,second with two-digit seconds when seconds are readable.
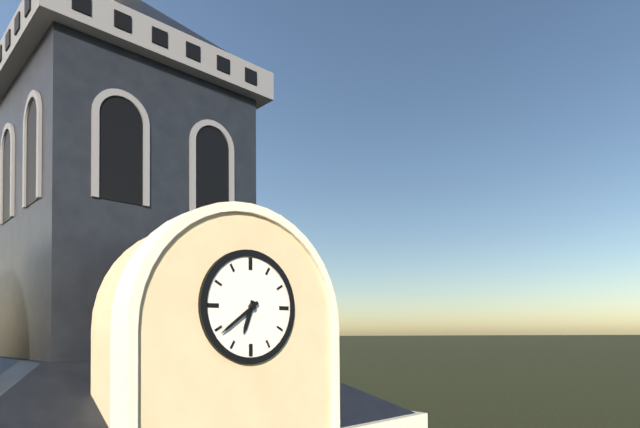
6,39
